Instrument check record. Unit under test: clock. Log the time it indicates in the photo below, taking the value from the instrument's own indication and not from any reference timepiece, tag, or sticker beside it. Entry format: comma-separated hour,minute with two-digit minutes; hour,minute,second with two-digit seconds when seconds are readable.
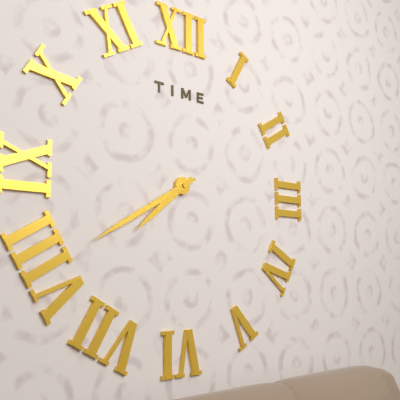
7,40
